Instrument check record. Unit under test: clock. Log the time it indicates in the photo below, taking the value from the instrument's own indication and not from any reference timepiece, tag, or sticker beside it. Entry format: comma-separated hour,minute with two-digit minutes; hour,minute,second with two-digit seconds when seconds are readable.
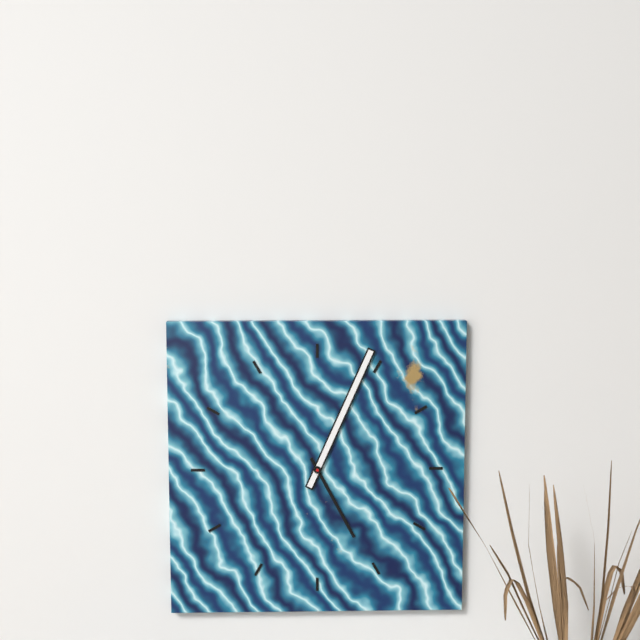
5,04
